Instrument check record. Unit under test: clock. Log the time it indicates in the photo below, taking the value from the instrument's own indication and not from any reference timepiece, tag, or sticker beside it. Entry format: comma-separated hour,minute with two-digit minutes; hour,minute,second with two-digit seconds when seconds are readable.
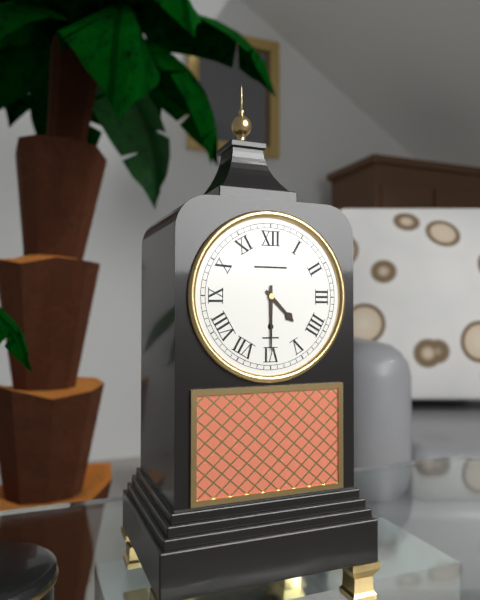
4,30
